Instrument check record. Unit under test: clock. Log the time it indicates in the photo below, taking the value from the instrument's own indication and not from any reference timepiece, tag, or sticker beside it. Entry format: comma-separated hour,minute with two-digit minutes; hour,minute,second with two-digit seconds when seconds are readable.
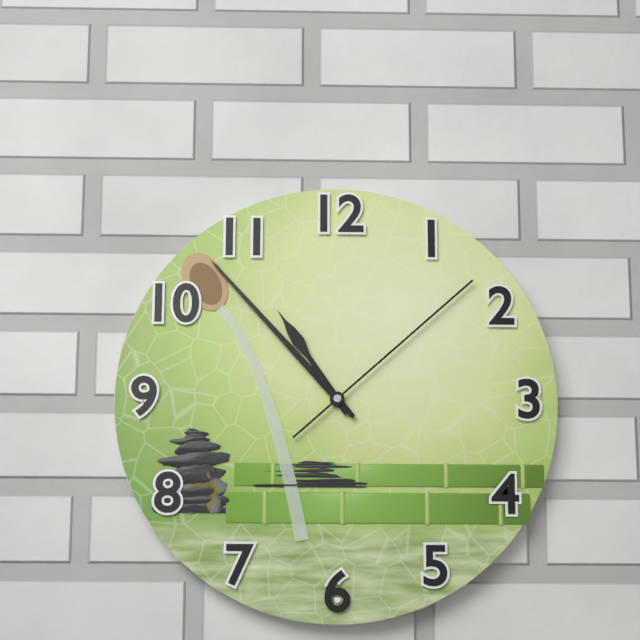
10,53,08
